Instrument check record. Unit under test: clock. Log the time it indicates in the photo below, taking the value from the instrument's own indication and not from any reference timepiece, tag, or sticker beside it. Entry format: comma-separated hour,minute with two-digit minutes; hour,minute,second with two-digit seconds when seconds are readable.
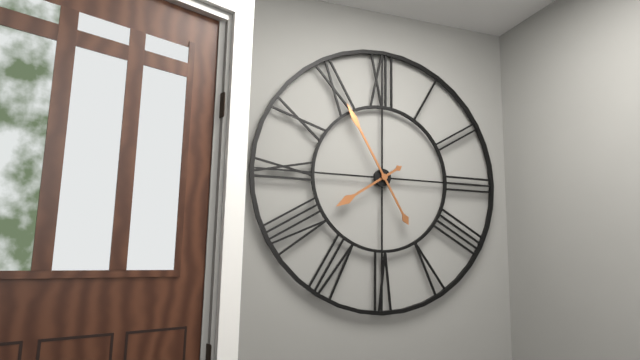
7,55
